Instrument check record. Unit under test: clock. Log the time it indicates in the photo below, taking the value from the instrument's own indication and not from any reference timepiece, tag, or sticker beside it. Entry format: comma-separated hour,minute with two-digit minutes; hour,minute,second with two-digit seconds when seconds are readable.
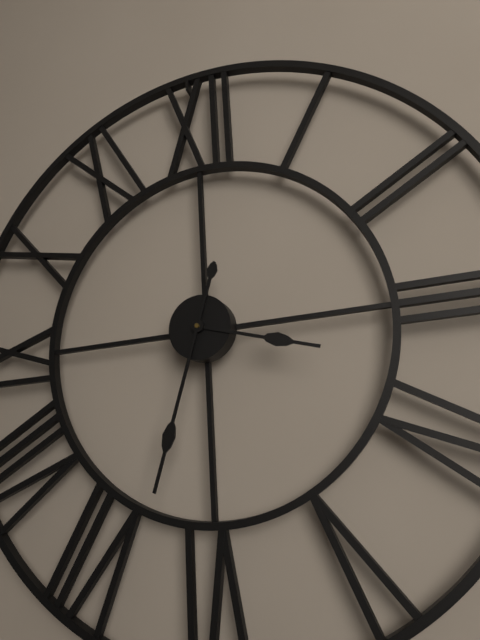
3,33
